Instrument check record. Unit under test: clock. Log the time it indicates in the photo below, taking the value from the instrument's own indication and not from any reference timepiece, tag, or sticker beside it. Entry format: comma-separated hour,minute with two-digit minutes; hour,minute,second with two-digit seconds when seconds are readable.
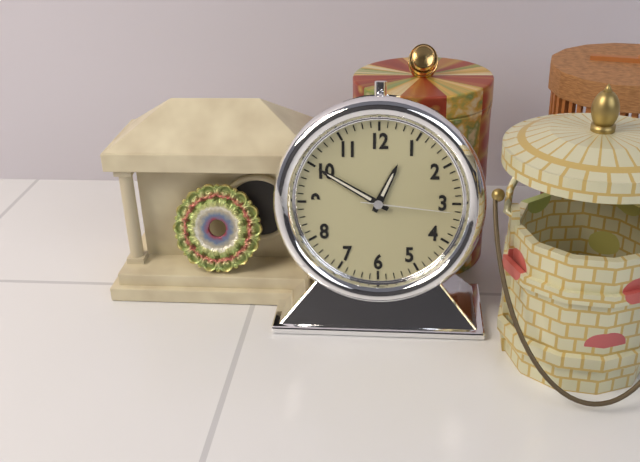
12,50,16
